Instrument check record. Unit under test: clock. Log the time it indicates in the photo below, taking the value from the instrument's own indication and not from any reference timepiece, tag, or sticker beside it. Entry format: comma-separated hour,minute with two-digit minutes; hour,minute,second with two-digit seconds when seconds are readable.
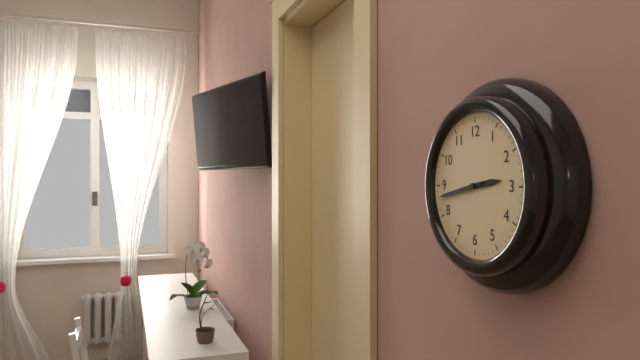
2,43
